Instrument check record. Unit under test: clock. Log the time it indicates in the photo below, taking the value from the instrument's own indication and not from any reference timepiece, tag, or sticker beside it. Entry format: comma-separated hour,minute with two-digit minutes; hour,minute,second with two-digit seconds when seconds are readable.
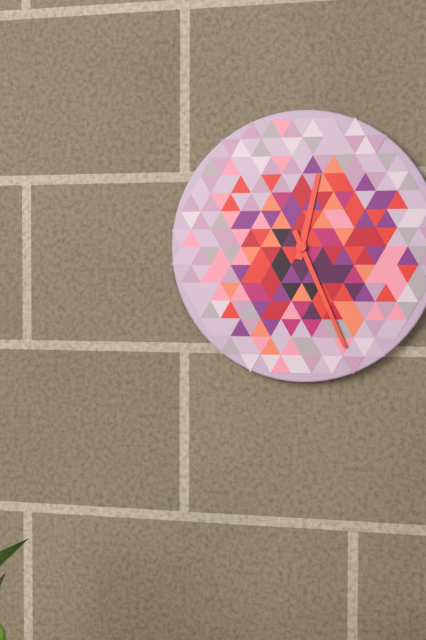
12,26
